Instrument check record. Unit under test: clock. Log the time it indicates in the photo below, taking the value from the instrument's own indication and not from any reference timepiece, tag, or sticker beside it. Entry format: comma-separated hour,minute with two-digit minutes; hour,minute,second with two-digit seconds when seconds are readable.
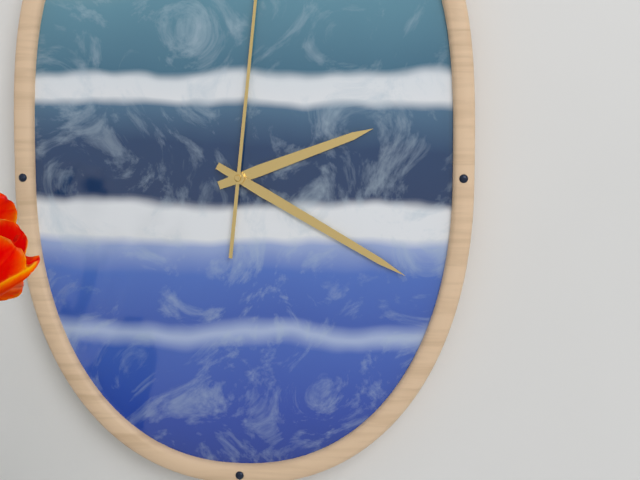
2,20
